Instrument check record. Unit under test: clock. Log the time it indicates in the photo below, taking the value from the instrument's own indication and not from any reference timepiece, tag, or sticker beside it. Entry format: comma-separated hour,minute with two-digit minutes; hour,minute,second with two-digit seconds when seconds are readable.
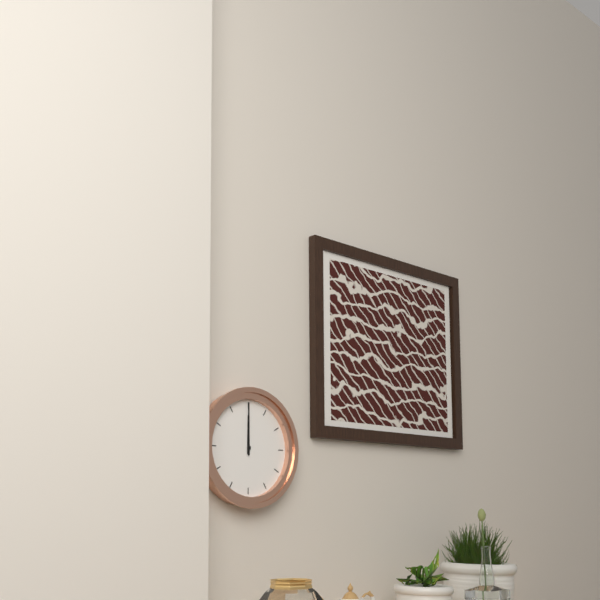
12,00
